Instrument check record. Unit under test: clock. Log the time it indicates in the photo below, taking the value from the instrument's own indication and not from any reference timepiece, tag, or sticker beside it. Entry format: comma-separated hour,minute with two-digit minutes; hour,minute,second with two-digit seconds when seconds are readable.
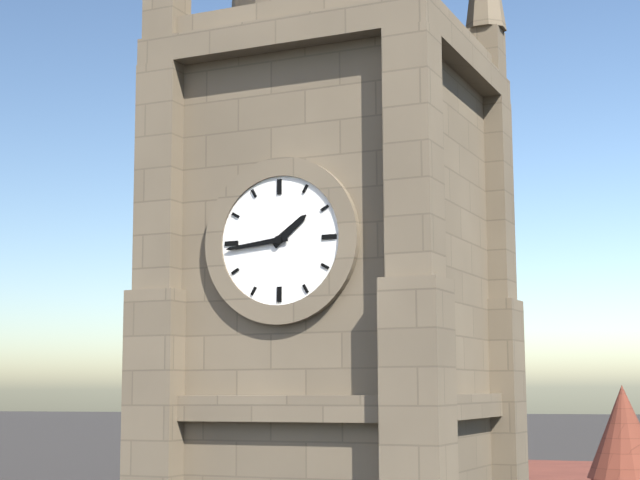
1,44
